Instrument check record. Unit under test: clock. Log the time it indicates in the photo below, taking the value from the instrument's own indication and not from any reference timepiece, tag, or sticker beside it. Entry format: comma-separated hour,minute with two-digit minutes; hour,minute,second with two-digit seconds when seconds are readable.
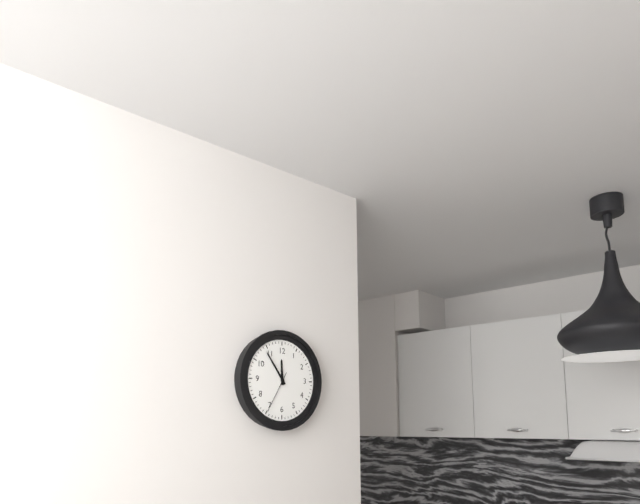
11,54
